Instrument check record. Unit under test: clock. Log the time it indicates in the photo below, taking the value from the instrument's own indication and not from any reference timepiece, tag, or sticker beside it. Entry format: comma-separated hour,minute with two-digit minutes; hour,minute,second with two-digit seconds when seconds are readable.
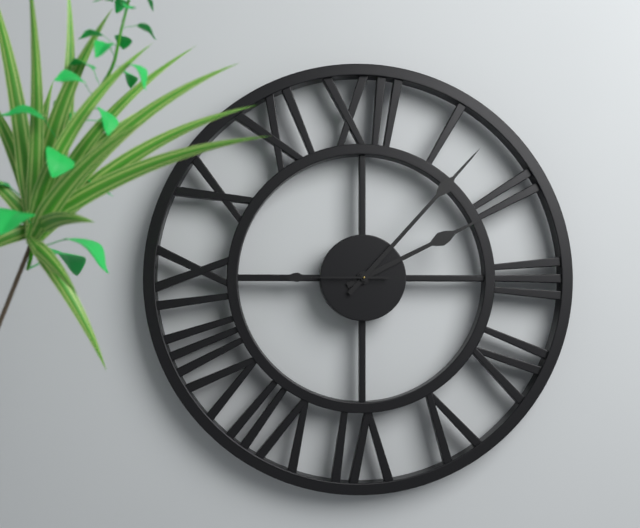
2,07,45
